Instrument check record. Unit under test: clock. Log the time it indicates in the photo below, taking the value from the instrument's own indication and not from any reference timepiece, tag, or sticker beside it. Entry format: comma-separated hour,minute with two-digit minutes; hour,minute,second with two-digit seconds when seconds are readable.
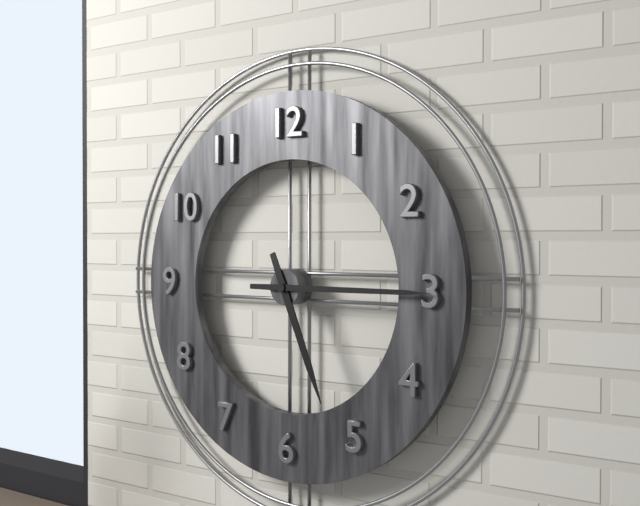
5,15
